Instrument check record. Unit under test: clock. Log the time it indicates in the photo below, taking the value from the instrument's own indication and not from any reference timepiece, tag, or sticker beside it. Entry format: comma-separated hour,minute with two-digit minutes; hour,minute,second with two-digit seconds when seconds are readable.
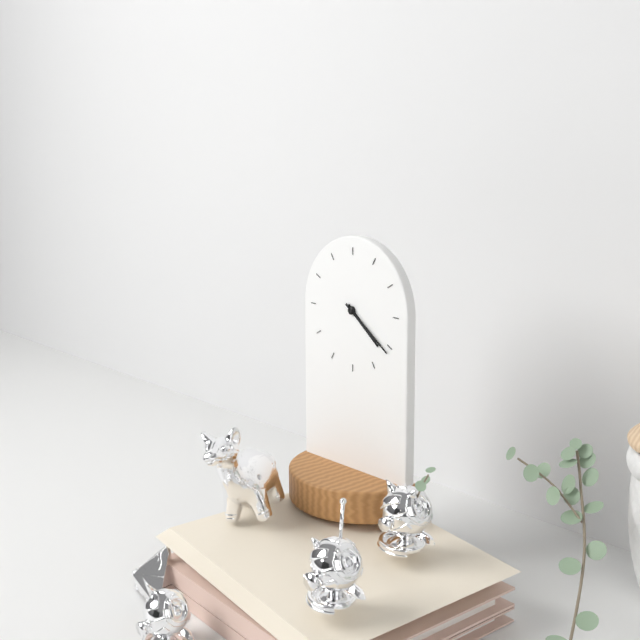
4,21
